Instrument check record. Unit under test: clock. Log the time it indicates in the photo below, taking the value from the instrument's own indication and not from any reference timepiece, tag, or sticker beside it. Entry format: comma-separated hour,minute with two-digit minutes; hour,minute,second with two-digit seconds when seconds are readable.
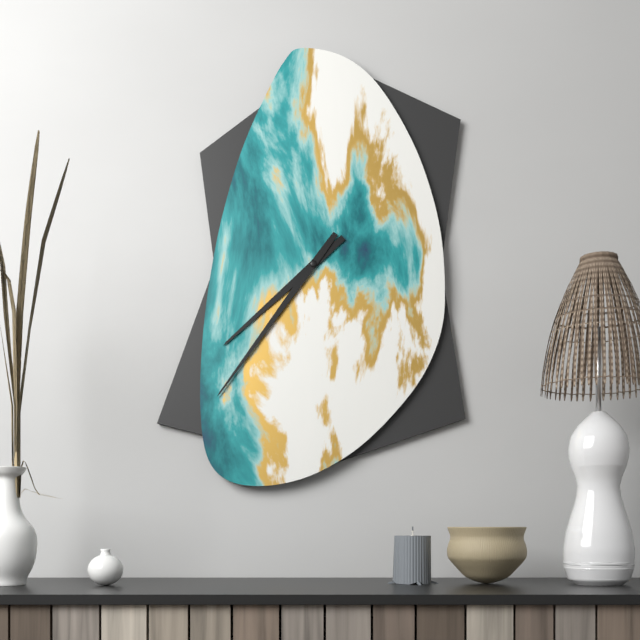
7,36
